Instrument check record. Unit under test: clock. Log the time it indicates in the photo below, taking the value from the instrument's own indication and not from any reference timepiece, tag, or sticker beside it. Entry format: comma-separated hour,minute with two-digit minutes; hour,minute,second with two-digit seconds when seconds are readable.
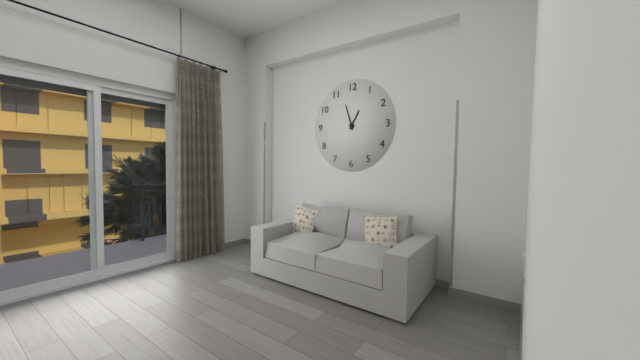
12,57
